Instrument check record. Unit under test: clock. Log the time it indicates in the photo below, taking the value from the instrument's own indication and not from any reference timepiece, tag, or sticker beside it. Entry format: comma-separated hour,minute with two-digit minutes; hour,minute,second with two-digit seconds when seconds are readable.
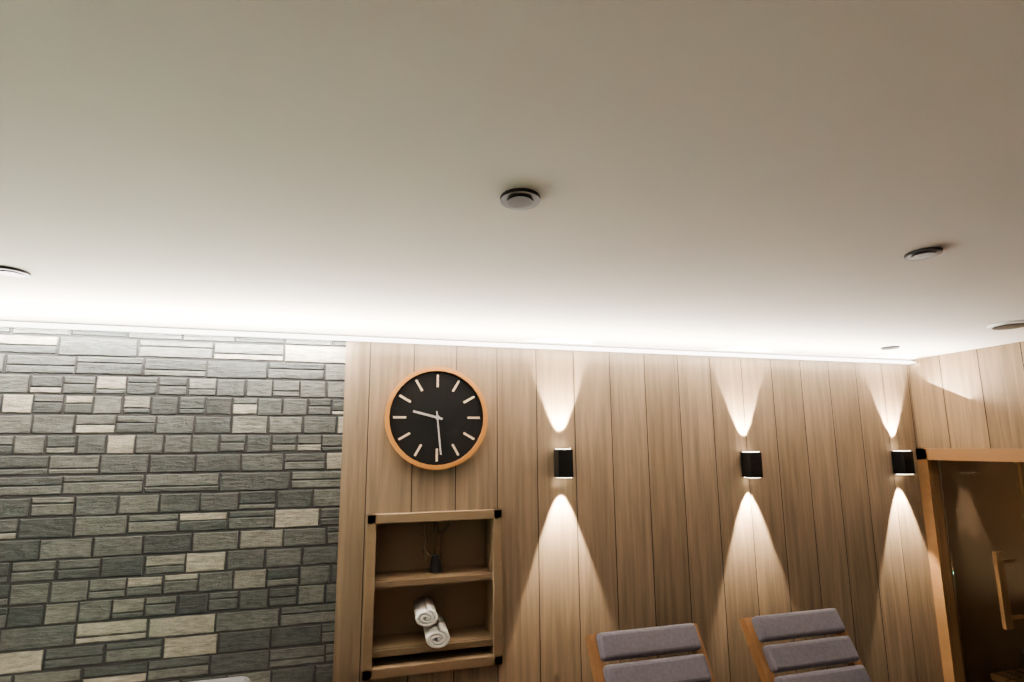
9,29
